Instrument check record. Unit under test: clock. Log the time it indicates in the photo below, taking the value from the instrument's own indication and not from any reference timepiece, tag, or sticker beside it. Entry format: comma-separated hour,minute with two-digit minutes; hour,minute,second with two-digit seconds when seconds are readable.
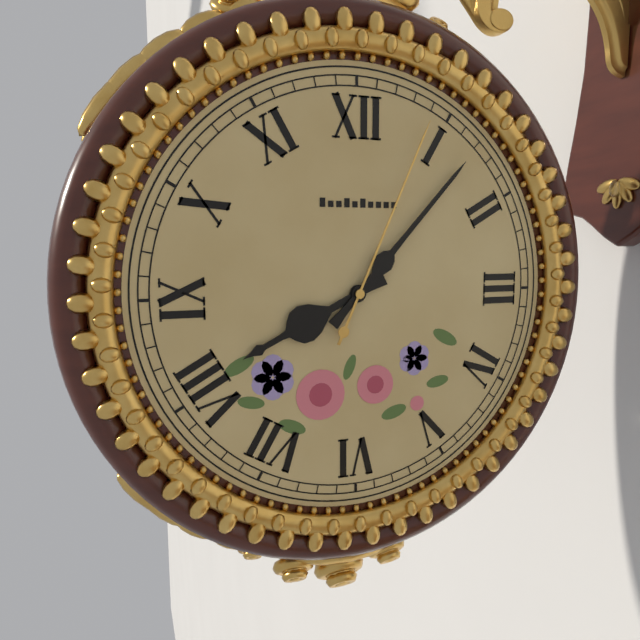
8,07,04
